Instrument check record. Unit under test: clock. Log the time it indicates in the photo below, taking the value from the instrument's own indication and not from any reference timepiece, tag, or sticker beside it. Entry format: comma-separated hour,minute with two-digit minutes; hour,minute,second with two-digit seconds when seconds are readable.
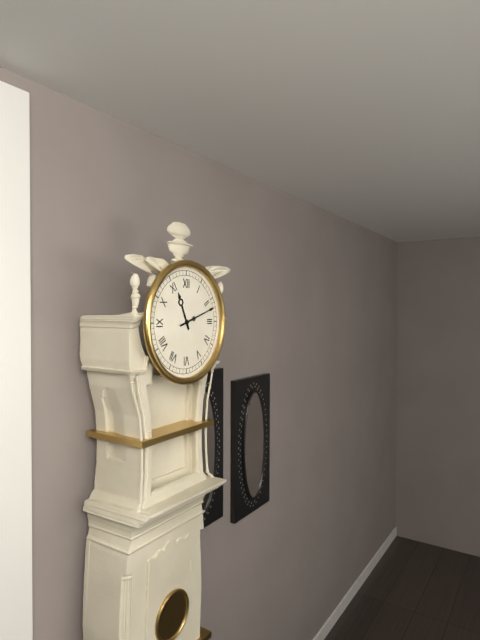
11,12
